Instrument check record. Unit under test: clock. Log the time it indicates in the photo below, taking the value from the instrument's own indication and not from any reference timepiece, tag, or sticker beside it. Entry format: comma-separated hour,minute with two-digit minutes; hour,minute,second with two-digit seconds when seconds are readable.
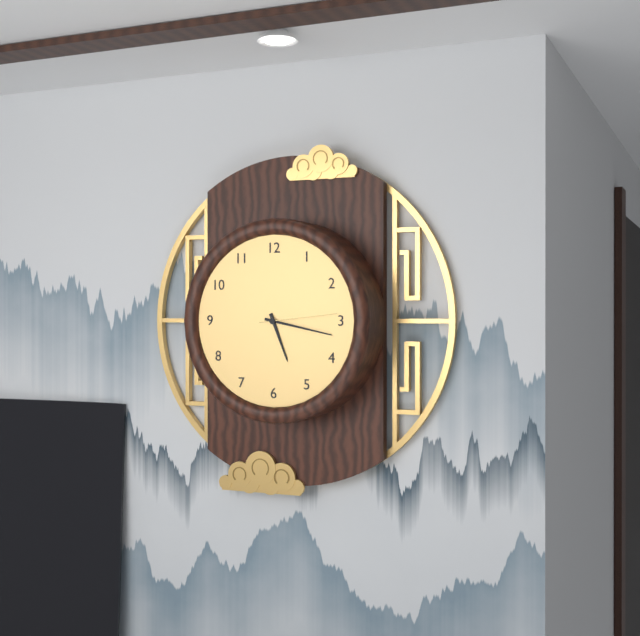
5,17,14
